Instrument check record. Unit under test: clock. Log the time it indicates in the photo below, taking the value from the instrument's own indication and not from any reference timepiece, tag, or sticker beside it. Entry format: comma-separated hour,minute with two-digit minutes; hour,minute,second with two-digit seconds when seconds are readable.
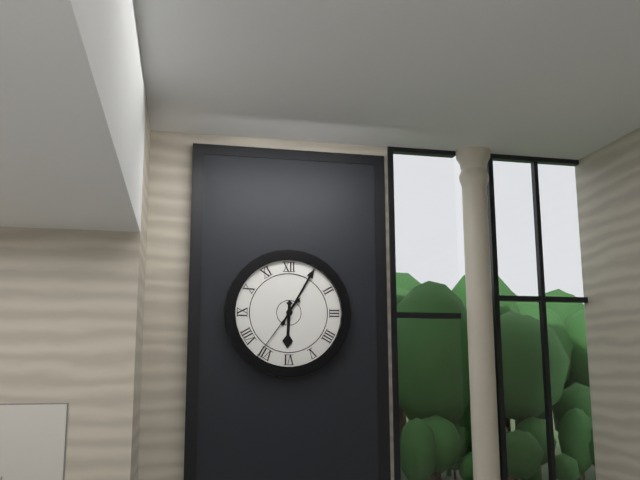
6,05,36
